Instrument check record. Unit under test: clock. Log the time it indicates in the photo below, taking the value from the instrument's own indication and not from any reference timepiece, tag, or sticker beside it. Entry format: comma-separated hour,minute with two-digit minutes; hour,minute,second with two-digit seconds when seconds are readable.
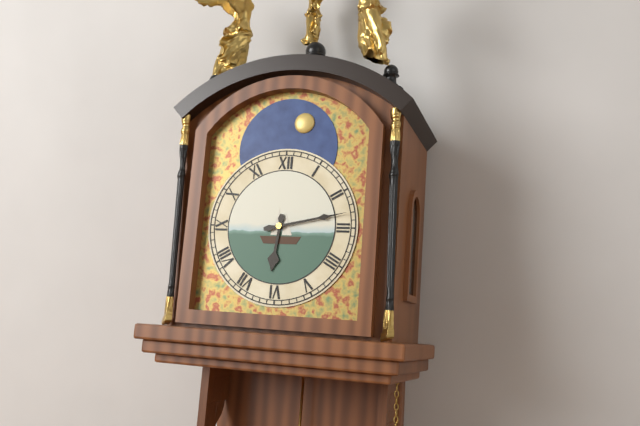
6,13
